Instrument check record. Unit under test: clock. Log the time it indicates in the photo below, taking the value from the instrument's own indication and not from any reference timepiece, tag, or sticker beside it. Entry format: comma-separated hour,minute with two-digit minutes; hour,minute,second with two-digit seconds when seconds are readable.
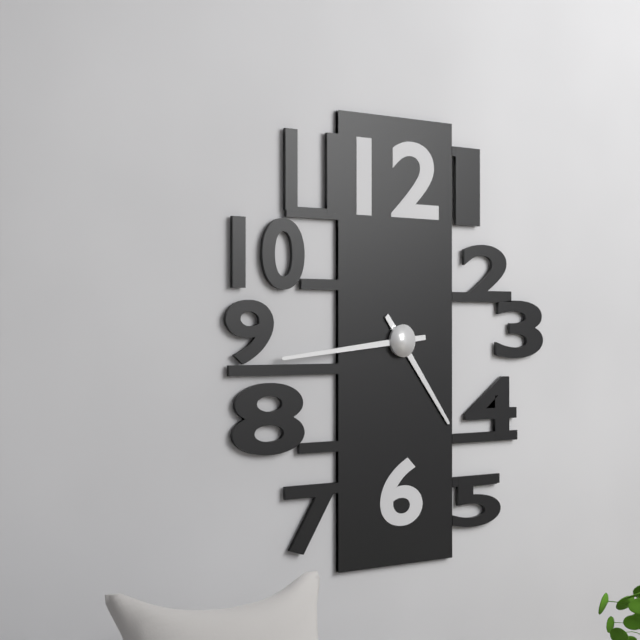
4,44
